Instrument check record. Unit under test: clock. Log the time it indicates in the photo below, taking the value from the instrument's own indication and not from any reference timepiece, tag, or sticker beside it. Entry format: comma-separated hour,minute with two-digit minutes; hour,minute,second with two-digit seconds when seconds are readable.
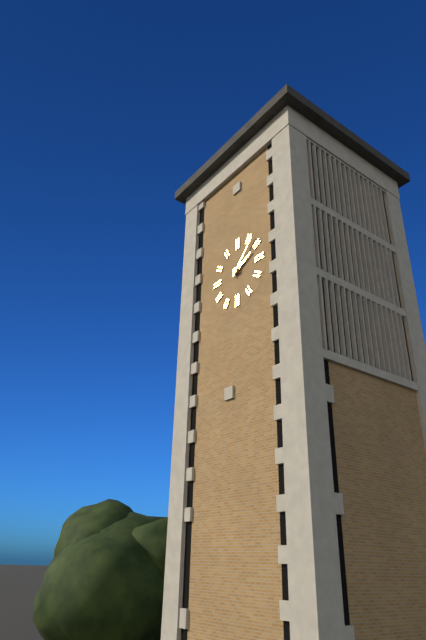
2,07
